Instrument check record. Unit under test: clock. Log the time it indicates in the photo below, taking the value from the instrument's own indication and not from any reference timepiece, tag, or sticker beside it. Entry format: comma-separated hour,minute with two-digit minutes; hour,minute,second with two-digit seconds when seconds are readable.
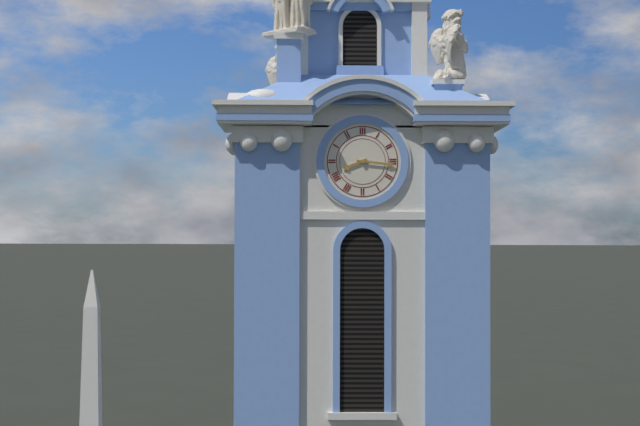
8,16
